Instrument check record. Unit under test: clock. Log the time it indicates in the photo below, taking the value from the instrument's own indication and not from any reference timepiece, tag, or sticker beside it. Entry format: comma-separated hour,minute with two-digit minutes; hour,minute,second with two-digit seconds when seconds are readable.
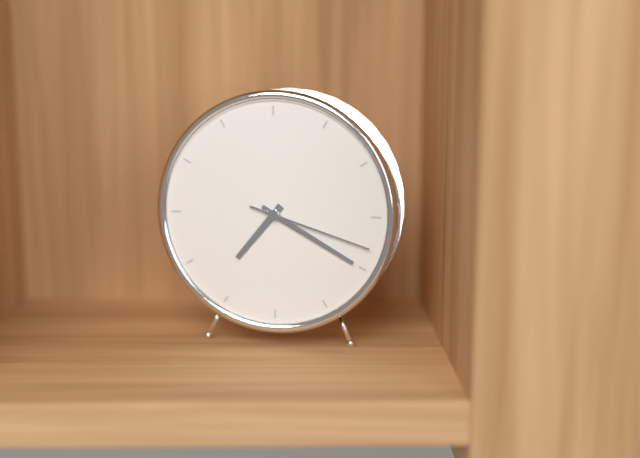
7,20,18
